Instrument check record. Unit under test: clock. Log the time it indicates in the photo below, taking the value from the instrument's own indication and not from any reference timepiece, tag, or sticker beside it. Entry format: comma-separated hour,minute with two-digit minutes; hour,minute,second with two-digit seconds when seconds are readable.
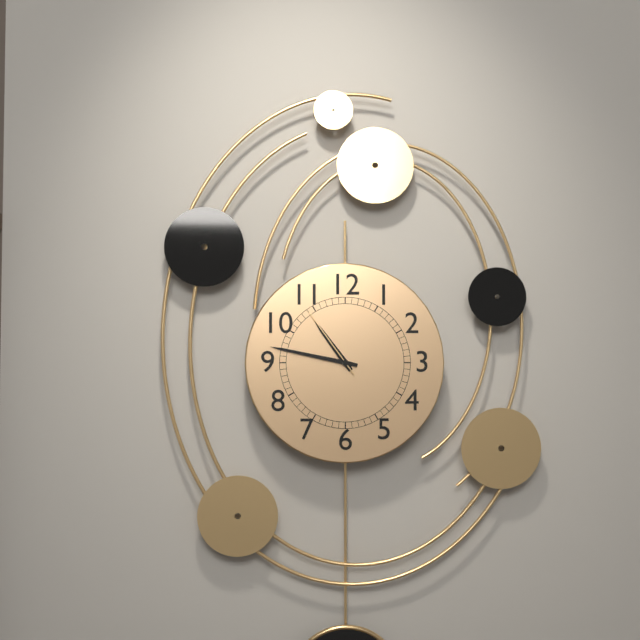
10,47,54
